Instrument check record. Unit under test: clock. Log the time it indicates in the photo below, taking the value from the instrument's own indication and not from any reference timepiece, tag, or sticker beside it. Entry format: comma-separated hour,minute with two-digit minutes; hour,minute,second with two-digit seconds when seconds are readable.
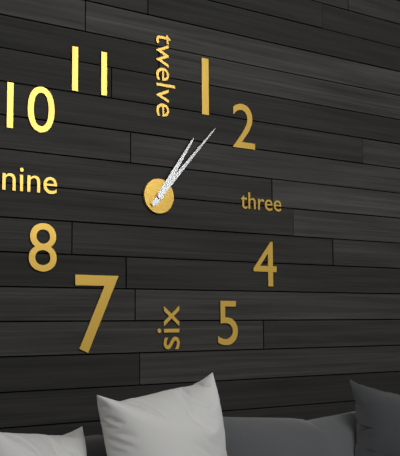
1,07
